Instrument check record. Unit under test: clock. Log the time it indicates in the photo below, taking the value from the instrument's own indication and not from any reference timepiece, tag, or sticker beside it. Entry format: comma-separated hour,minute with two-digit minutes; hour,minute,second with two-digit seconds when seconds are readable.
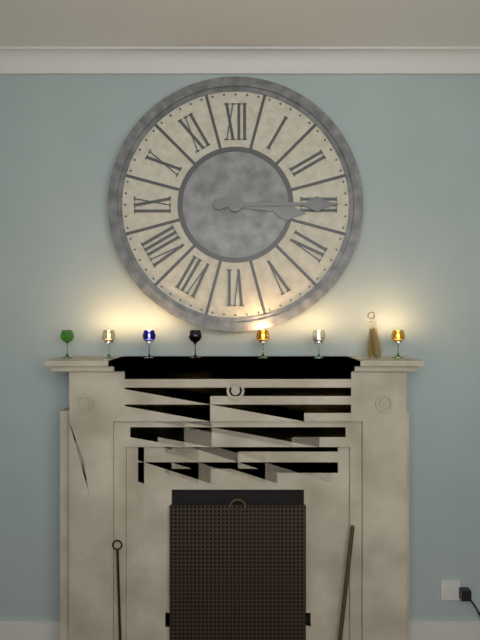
3,15
